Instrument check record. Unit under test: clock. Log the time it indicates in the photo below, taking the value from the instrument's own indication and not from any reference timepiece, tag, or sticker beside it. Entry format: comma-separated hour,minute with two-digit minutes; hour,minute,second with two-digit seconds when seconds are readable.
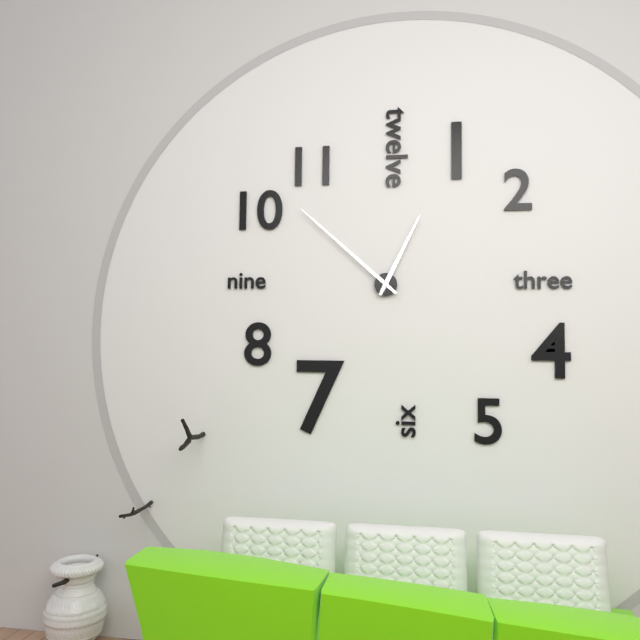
12,52
